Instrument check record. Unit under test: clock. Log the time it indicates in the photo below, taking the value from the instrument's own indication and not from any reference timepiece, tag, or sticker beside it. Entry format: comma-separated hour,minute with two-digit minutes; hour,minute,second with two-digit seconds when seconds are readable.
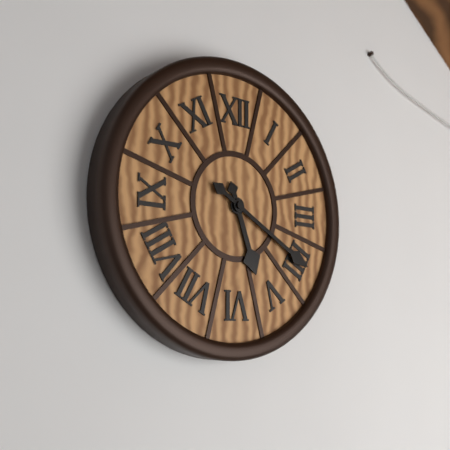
5,20
